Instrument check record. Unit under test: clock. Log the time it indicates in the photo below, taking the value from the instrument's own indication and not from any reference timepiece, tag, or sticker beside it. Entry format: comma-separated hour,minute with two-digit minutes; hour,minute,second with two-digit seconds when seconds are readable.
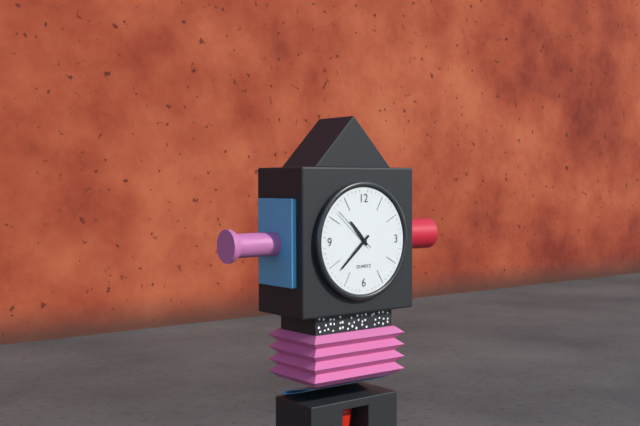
10,38
